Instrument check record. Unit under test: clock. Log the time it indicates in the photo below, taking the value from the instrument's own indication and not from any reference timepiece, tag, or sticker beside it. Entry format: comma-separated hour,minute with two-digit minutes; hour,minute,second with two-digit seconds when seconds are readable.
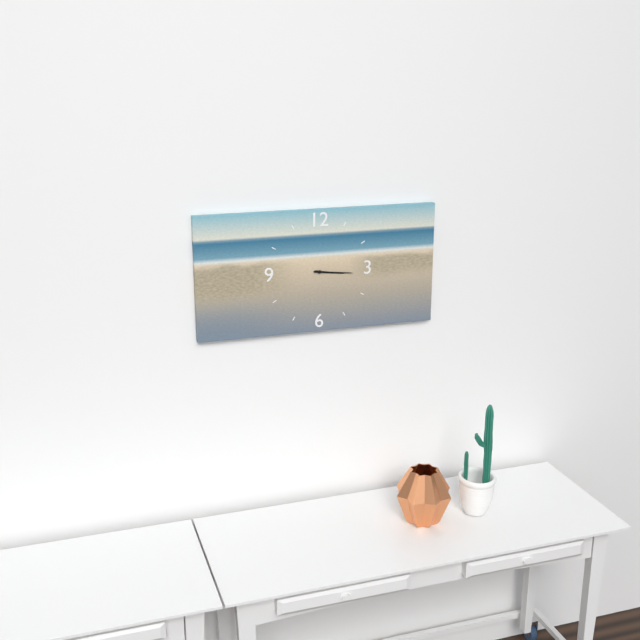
3,16
